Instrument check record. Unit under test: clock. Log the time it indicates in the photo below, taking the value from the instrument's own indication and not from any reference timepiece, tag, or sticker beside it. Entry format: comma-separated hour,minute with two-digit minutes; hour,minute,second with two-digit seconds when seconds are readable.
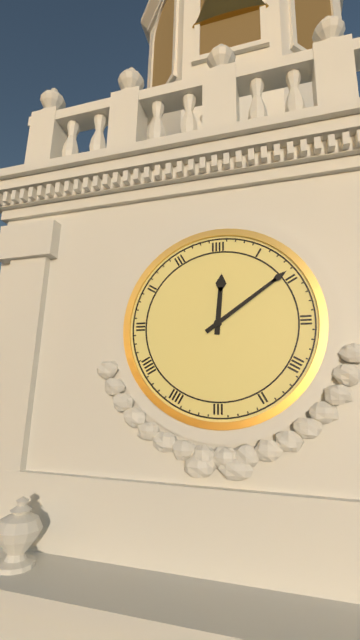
12,09
